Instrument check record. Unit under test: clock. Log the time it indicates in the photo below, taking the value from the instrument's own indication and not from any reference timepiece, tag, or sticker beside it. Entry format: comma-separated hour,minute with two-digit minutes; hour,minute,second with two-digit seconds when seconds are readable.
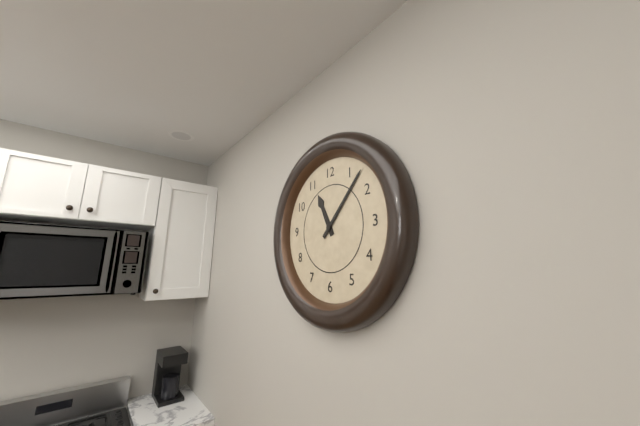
11,07
